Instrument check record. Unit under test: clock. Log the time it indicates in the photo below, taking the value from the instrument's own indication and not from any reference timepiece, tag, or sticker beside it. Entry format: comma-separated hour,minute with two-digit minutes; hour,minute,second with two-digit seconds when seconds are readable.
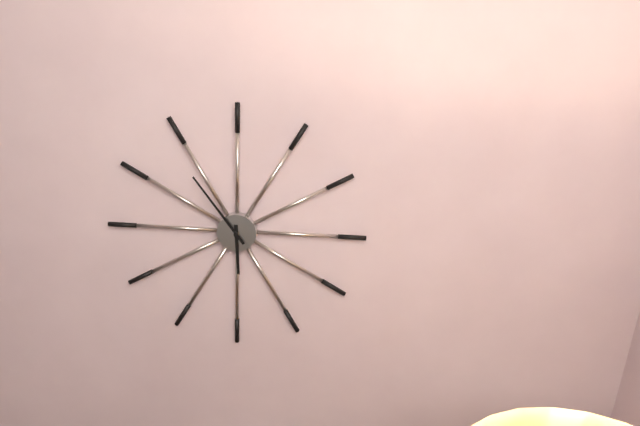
5,54
